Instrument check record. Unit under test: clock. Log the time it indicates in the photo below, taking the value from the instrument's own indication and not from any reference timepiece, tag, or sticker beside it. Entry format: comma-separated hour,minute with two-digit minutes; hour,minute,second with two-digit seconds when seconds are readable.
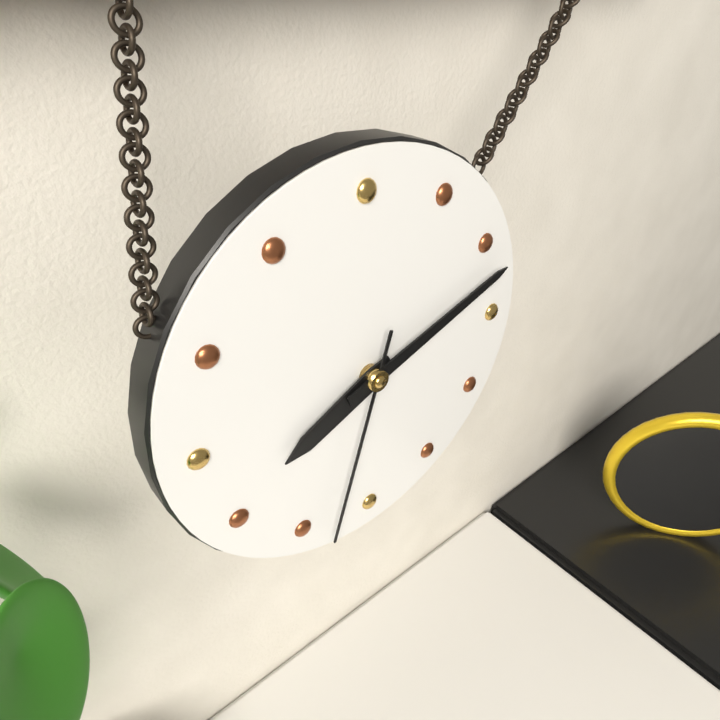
8,12,33
